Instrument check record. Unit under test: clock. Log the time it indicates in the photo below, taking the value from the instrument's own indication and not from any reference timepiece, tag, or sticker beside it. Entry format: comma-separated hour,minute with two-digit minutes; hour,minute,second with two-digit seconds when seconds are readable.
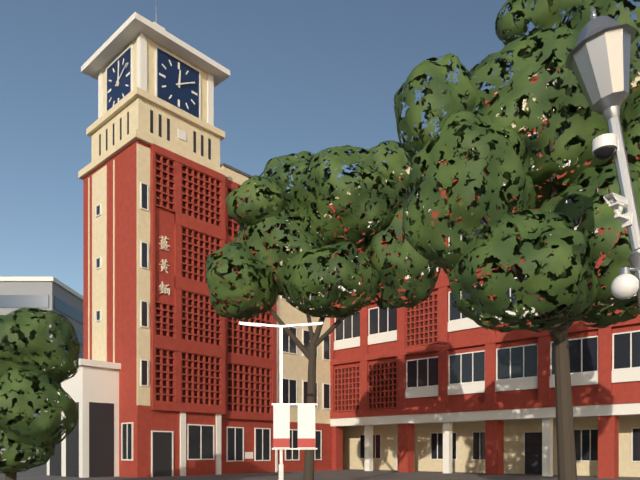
12,10
